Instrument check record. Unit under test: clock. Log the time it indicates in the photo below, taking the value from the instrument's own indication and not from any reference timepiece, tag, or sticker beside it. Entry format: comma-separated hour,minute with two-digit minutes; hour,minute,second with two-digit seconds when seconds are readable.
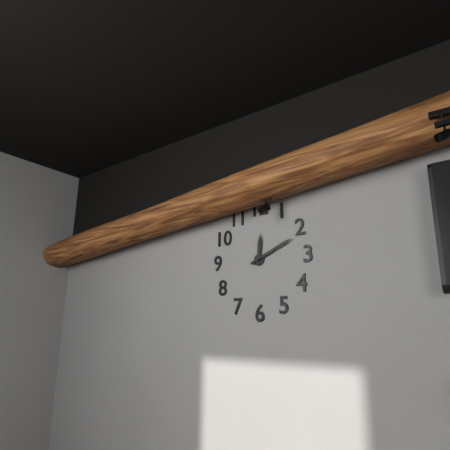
12,11
